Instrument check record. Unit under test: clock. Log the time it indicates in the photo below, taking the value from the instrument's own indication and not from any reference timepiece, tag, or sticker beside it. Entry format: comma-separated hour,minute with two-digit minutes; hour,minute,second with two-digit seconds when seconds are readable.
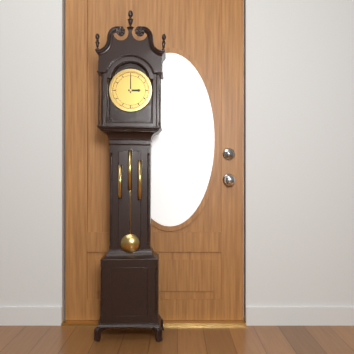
3,00
